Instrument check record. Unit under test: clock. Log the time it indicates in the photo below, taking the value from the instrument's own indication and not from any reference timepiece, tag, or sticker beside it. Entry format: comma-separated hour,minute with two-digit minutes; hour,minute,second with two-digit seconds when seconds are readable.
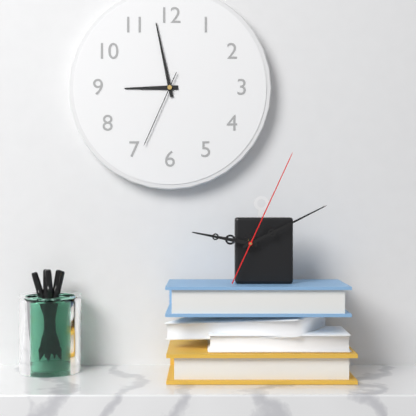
8,58,34
